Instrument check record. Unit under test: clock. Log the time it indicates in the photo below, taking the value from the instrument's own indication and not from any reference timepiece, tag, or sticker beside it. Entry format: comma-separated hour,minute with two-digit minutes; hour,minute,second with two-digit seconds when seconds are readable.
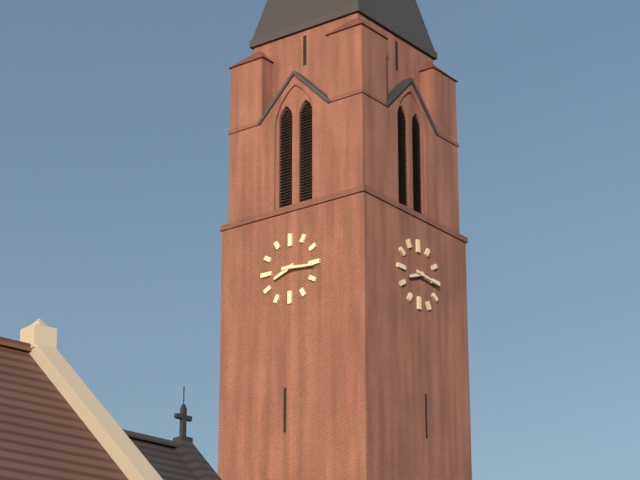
8,16
